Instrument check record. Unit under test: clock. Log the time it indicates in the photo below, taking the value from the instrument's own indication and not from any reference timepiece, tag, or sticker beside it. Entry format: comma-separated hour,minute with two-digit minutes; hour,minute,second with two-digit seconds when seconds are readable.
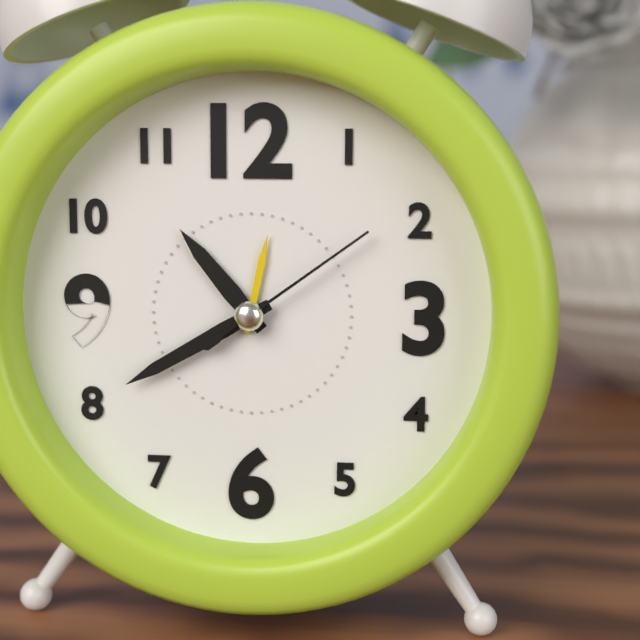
10,40,09
